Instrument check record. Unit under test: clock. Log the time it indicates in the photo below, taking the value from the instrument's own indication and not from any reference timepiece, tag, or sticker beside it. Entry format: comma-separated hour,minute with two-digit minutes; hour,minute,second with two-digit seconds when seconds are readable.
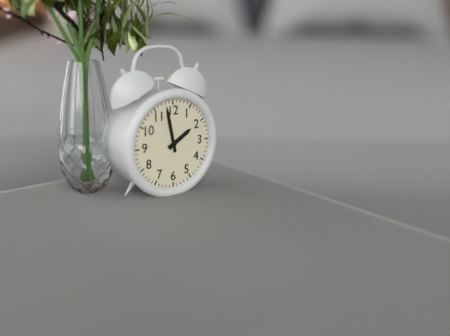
1,58
